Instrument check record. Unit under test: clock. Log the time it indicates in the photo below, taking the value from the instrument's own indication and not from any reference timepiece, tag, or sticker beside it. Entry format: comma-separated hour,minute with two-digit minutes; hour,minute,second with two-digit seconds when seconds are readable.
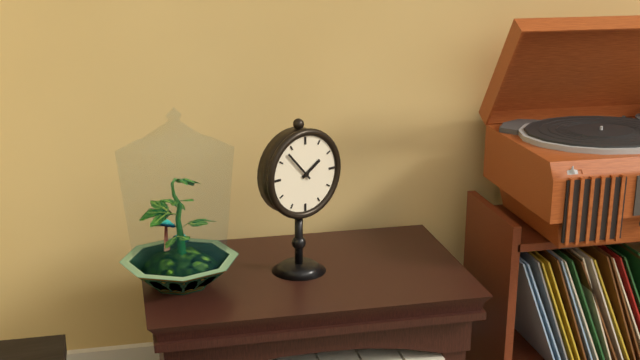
1,53
